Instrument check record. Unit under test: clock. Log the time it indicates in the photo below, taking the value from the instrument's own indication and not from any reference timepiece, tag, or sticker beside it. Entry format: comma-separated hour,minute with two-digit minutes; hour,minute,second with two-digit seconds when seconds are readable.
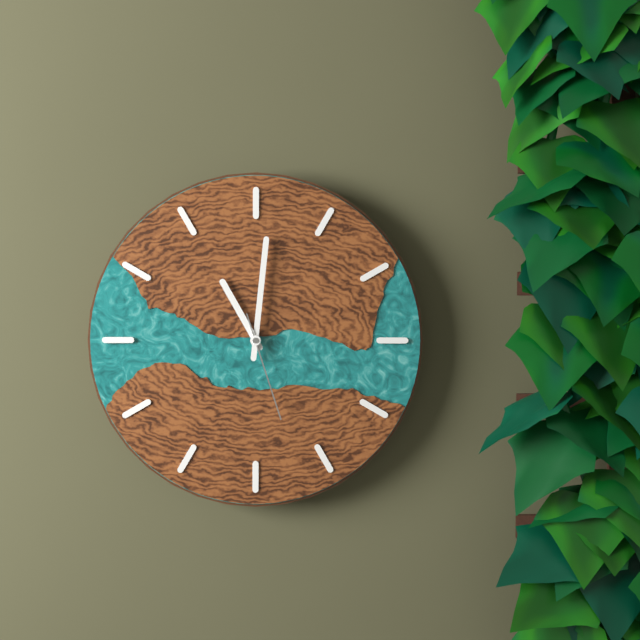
11,01,27
